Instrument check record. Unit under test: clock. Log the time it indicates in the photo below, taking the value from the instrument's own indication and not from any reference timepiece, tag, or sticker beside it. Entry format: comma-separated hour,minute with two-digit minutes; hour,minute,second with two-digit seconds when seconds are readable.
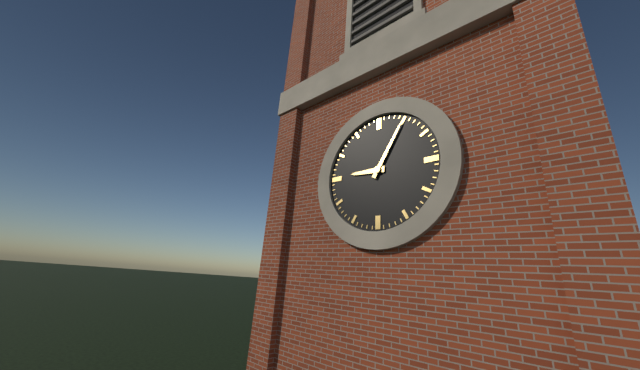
9,05
